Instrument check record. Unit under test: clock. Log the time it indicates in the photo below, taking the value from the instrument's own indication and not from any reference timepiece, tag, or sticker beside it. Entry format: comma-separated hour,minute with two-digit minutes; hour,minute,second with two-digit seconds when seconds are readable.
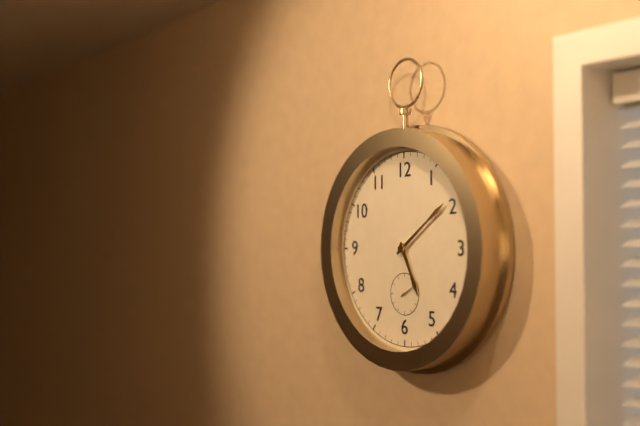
5,09
